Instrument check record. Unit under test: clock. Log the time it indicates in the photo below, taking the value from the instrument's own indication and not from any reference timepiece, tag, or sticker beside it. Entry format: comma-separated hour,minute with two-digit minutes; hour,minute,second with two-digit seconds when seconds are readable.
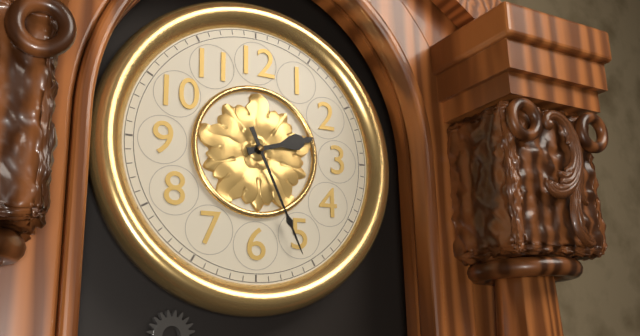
2,26
